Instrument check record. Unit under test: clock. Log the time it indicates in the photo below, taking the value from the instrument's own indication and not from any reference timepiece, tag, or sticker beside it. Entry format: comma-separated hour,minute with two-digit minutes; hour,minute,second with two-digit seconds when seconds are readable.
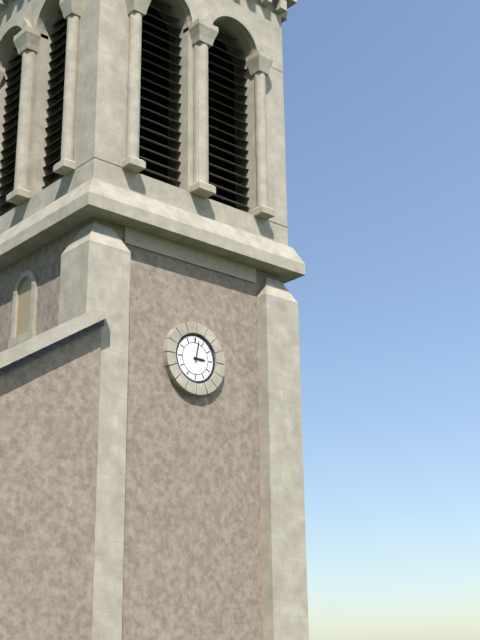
3,02
